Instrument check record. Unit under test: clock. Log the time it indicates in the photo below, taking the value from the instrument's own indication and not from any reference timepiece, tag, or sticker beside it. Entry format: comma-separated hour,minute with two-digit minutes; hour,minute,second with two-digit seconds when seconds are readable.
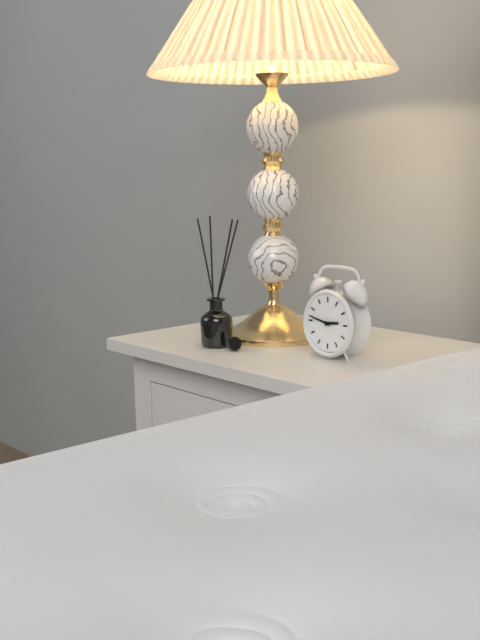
2,47
